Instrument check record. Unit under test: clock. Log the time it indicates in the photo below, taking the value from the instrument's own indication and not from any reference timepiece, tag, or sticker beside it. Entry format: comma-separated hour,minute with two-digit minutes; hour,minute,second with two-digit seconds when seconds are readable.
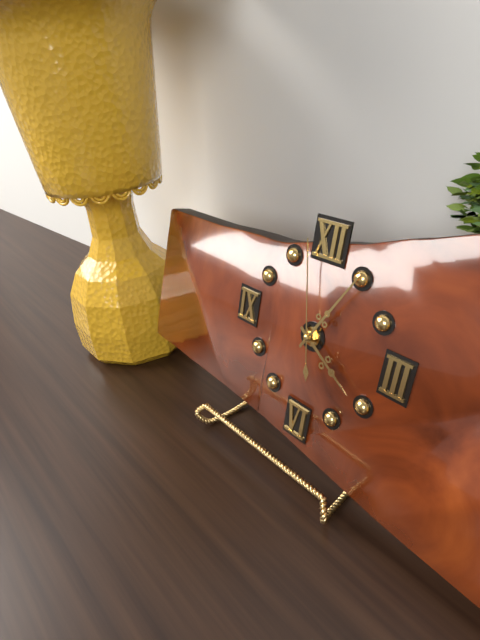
4,05,58
